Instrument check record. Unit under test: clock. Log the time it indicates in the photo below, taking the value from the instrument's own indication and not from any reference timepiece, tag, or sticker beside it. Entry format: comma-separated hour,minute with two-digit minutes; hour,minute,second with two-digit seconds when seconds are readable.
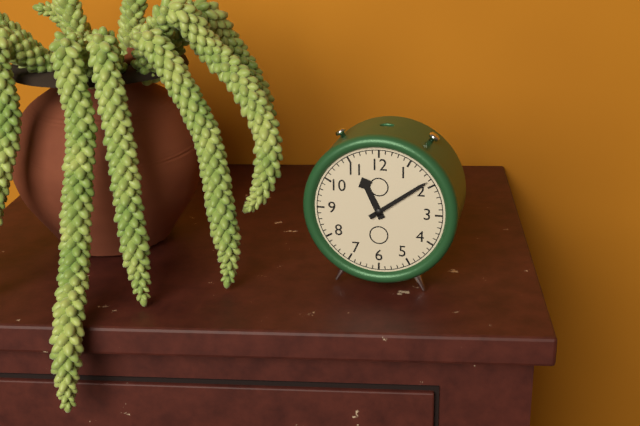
11,09
